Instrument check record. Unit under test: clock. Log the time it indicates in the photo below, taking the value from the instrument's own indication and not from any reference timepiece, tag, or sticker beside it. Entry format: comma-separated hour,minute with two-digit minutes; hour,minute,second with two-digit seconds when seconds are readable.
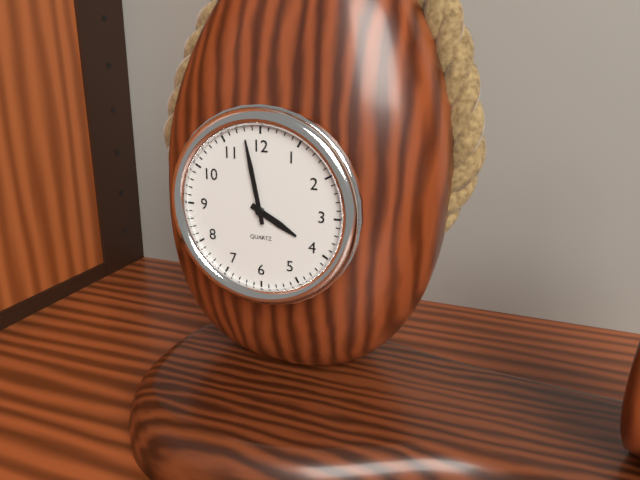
3,58
